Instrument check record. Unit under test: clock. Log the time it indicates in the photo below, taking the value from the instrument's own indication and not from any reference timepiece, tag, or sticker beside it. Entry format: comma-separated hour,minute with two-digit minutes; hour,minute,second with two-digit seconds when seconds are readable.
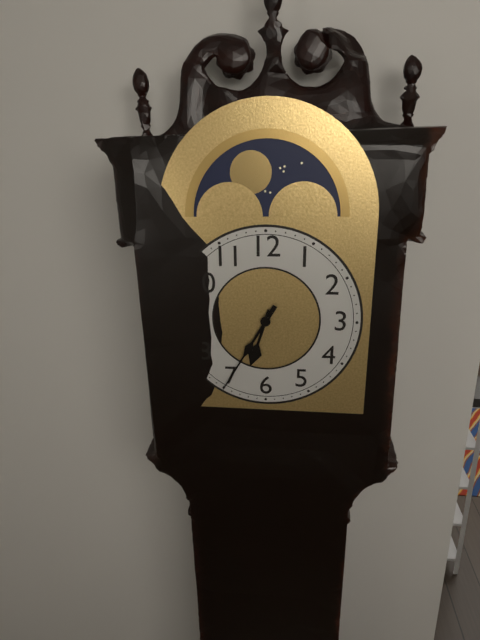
6,35
